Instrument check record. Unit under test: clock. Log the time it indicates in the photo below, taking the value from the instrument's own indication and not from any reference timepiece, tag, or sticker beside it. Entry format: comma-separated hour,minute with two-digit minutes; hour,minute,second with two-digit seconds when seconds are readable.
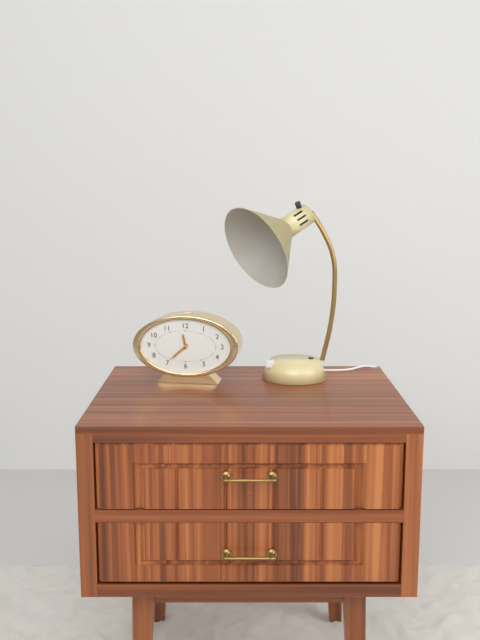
11,38
